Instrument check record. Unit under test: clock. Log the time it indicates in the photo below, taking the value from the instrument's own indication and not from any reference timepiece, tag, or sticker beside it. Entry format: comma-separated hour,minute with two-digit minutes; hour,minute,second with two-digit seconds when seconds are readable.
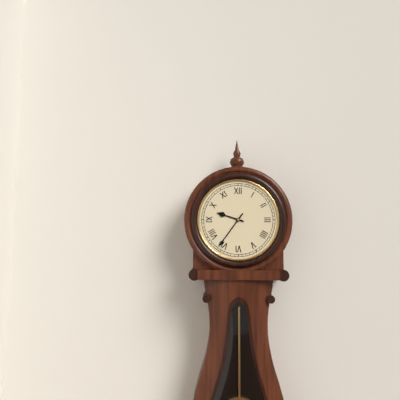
9,36
